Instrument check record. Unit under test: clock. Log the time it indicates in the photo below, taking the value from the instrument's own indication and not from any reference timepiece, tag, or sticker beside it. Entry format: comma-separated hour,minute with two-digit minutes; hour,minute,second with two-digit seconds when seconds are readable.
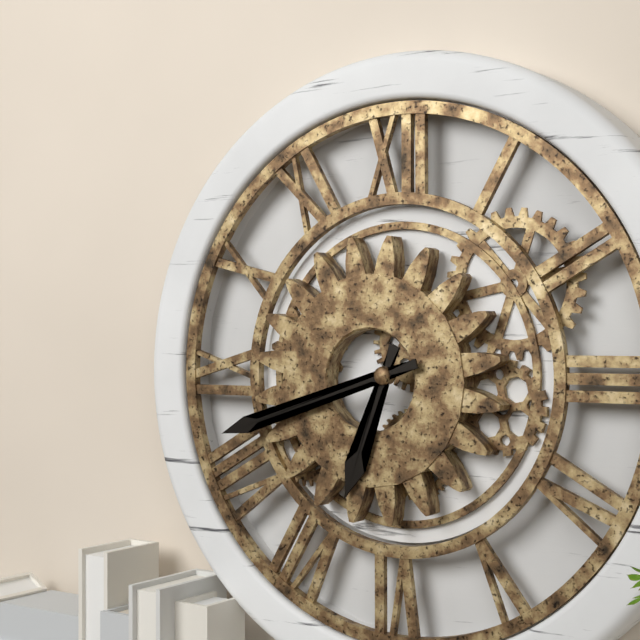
6,42
